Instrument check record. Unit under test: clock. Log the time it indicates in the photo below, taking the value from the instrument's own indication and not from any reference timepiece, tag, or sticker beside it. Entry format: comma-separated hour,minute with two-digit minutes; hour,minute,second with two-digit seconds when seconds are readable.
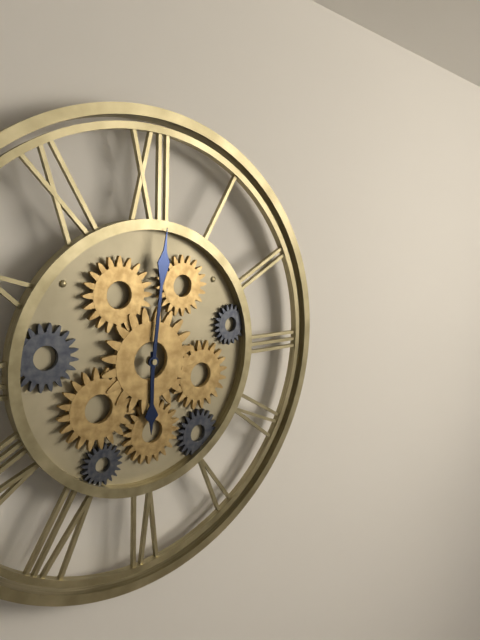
6,01
